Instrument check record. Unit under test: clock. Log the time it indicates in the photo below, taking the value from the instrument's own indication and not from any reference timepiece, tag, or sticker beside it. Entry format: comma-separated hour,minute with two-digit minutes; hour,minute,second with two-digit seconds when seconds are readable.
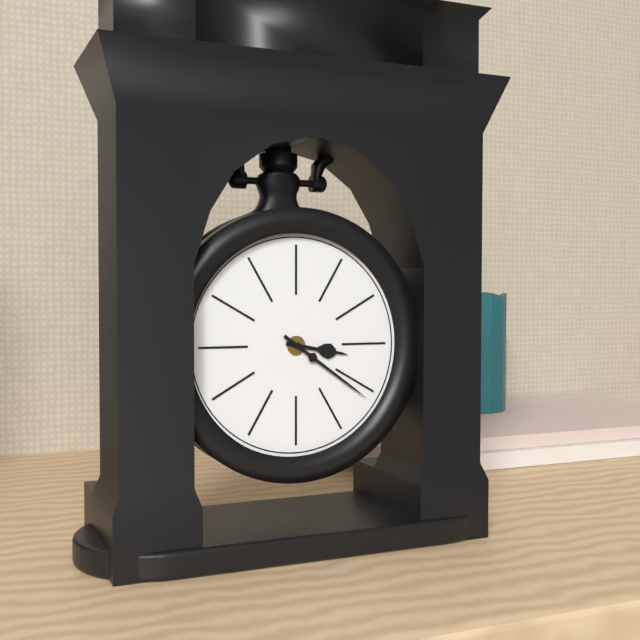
3,21
